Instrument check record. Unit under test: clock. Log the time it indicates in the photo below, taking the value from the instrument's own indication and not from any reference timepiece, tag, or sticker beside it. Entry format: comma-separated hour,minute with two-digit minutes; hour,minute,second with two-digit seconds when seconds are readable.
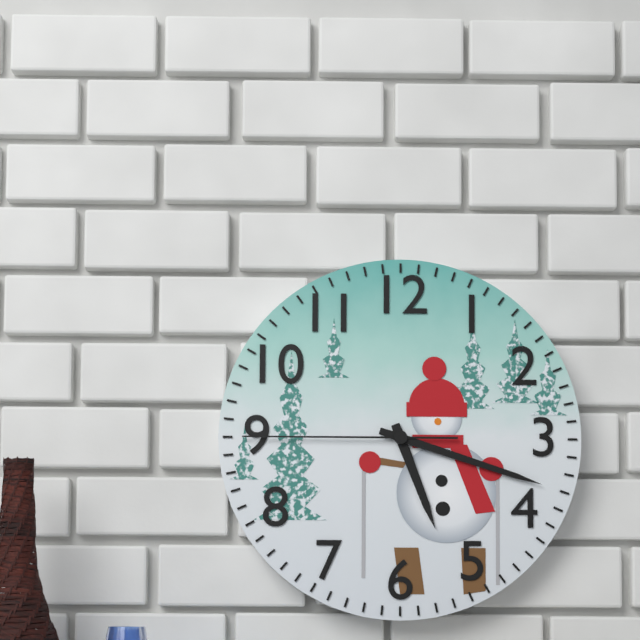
5,18,45
